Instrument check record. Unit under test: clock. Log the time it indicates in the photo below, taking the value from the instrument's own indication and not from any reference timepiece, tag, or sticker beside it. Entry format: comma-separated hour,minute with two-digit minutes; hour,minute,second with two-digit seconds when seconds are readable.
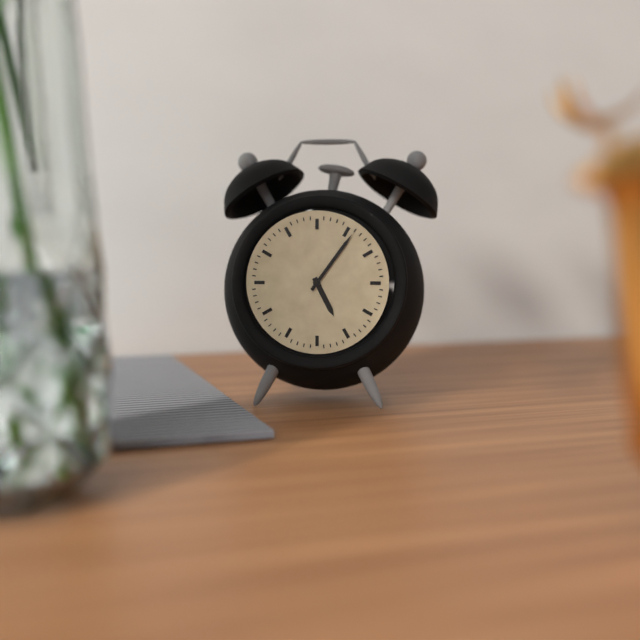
5,06
